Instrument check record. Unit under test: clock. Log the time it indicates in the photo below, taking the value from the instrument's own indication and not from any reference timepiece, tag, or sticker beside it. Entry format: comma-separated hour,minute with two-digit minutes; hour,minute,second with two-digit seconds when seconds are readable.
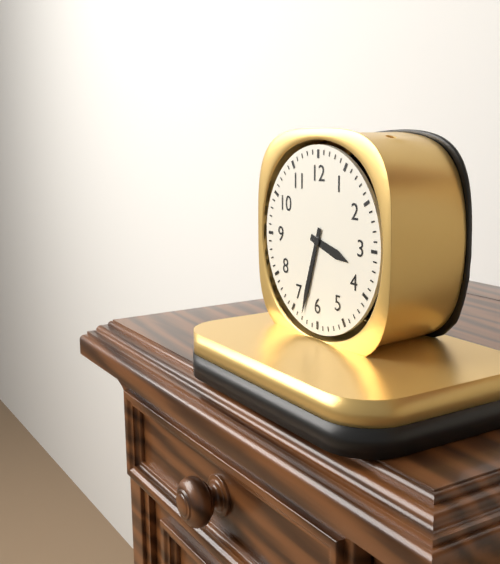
3,33
